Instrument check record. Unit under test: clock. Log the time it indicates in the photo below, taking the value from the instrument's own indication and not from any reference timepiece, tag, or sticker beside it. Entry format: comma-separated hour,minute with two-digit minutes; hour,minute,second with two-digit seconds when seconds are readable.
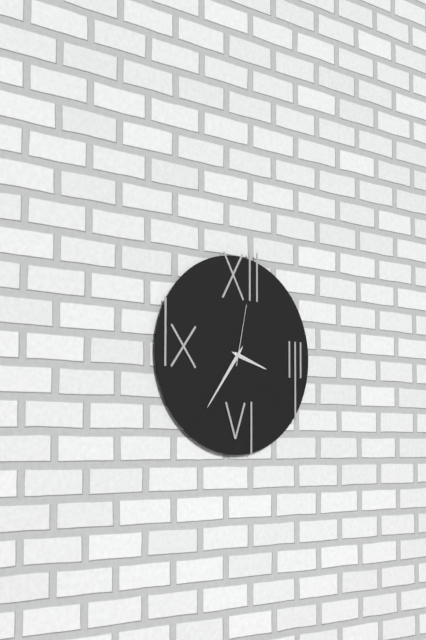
3,36,02
